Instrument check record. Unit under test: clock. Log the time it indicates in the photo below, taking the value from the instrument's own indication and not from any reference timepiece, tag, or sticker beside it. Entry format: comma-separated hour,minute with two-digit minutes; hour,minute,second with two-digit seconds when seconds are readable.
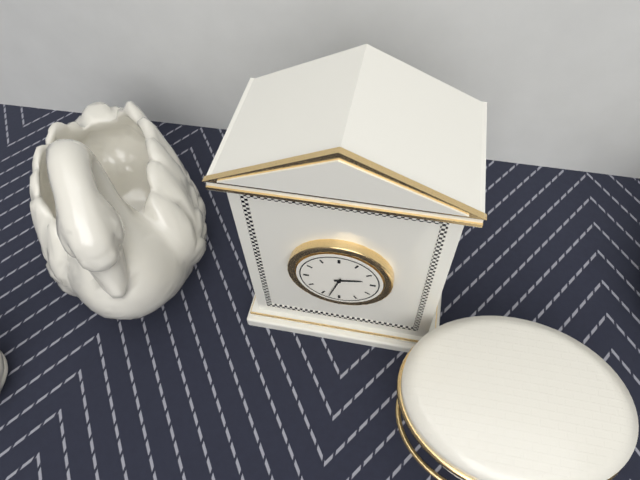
2,33
